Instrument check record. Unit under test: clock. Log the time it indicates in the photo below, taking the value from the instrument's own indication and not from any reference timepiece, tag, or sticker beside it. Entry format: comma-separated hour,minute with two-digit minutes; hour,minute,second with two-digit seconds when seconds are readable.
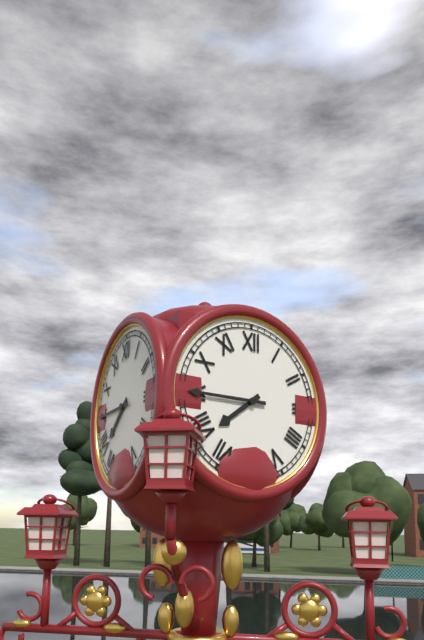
7,45
